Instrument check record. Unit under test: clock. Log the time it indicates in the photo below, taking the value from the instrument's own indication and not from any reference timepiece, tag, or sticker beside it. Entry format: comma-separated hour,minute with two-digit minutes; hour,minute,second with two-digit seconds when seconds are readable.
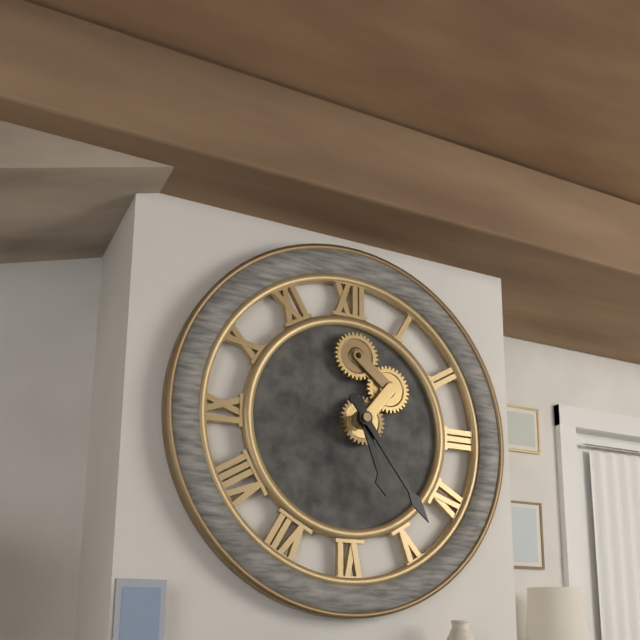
5,24
